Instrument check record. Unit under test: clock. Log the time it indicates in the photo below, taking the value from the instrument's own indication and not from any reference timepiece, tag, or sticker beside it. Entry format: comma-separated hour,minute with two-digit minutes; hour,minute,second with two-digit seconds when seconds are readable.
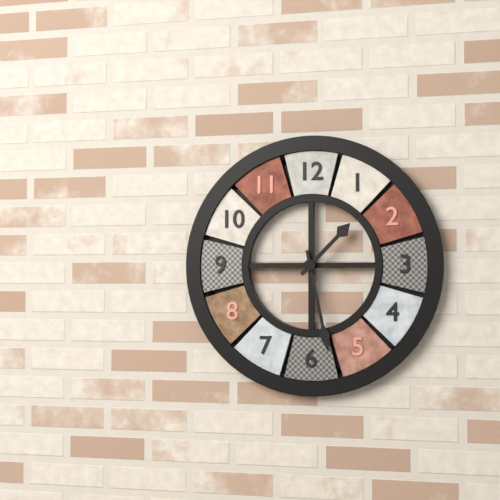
1,28
